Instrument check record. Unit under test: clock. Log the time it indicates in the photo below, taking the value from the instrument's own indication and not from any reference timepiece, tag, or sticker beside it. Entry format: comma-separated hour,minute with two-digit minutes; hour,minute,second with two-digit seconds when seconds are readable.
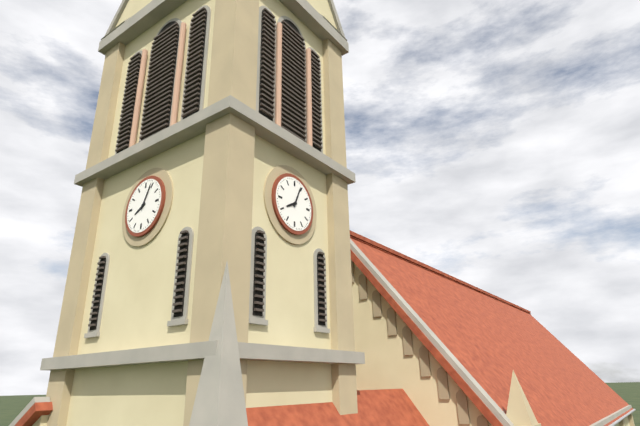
8,04
